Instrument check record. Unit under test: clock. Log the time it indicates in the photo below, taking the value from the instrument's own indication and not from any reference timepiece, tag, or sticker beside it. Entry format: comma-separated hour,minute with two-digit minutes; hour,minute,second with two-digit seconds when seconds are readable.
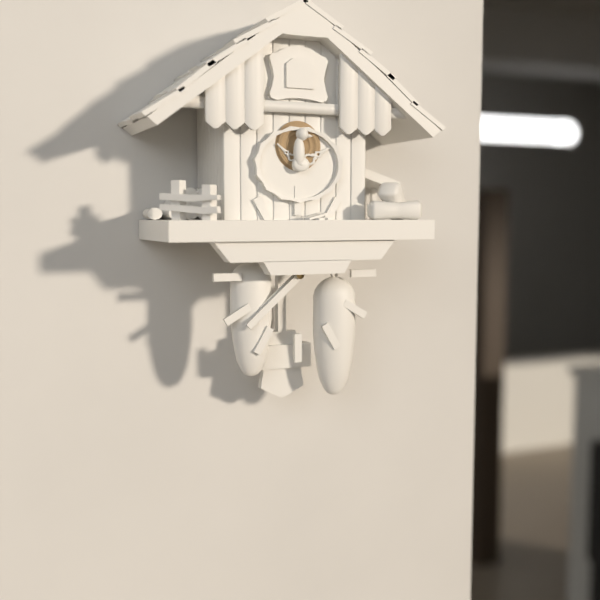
7,38
